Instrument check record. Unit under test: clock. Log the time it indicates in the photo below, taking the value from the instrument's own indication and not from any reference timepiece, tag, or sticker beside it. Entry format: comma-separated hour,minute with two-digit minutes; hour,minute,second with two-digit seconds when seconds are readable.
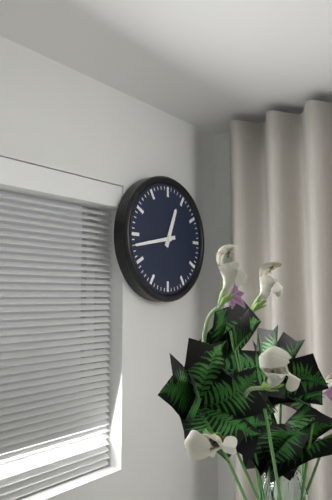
12,43
